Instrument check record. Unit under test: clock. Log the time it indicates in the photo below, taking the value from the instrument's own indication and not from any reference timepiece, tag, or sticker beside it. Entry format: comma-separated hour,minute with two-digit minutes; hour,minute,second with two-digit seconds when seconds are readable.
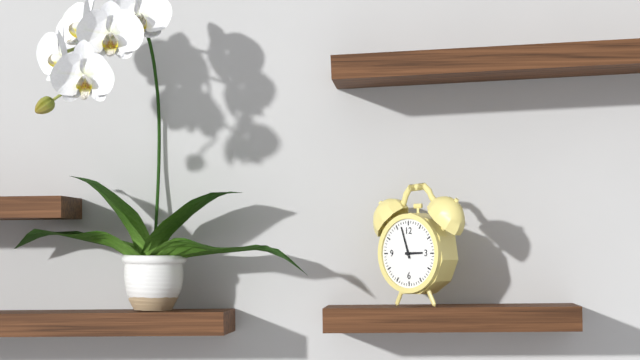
2,57
